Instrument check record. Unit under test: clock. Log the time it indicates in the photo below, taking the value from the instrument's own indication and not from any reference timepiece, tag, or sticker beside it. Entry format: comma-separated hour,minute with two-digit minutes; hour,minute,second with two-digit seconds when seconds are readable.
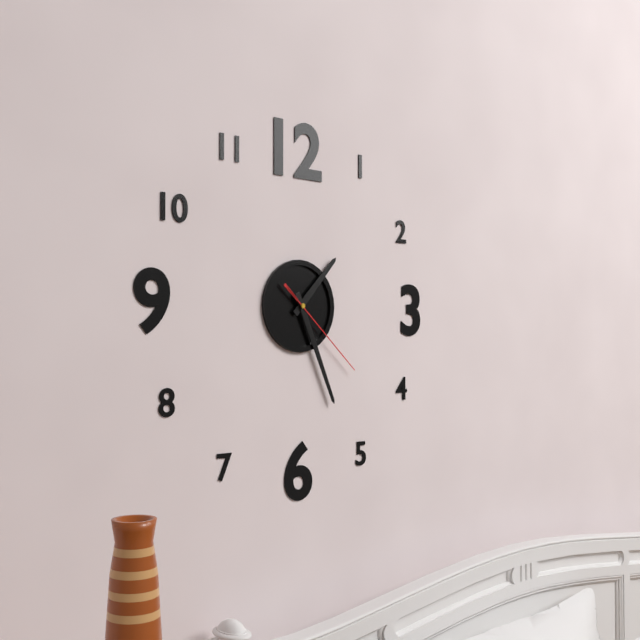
1,26,22
